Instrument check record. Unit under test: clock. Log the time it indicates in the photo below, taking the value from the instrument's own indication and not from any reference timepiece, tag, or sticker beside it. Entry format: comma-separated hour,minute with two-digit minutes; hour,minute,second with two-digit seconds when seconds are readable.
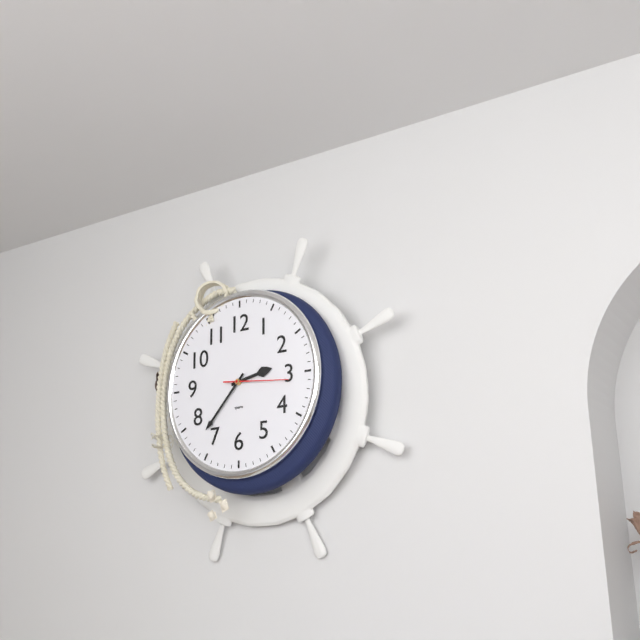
2,37,16
